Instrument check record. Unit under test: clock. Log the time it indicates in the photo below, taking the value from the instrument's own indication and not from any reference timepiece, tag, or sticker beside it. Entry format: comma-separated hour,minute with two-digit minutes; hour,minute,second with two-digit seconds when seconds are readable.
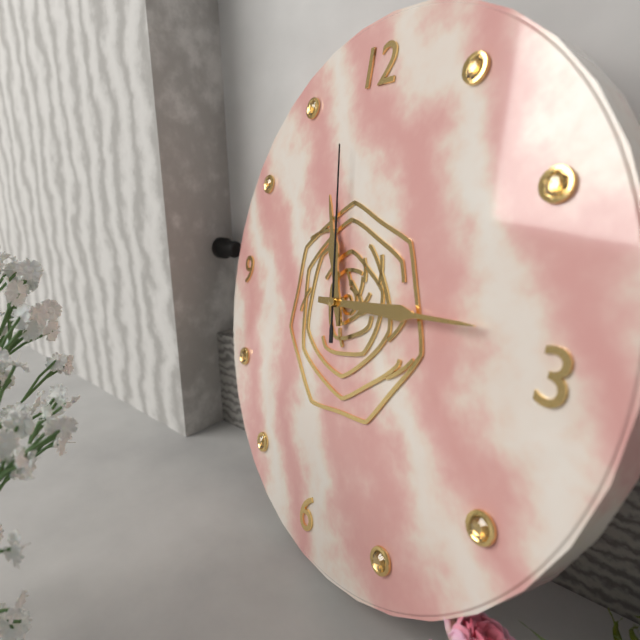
11,14,58
